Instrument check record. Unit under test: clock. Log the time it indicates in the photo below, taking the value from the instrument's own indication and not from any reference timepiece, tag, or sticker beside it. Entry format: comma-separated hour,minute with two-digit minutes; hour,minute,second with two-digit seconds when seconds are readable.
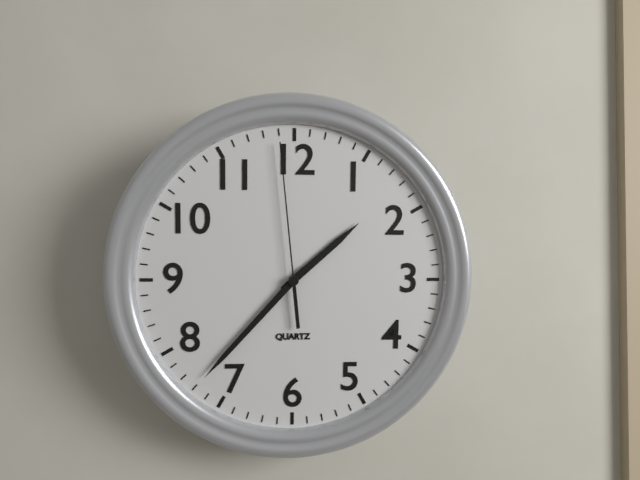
1,37,59
